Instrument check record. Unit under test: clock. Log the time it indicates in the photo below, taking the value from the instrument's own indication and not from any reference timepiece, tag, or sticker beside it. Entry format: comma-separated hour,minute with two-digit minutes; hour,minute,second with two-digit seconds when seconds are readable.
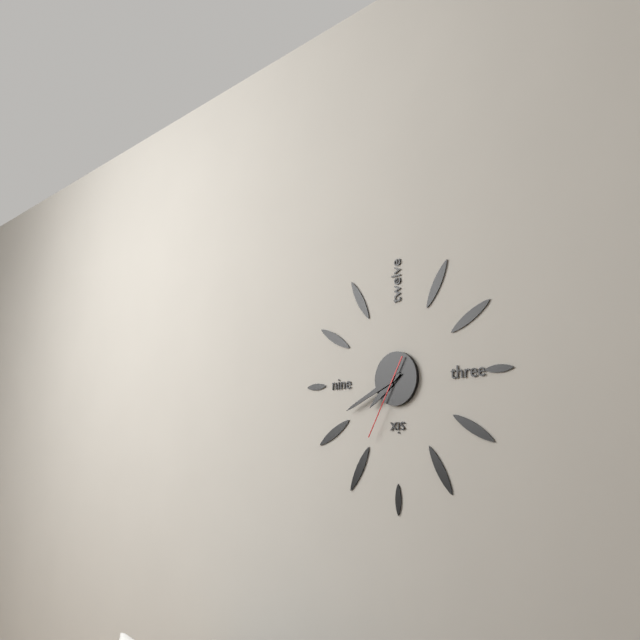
7,41,35
